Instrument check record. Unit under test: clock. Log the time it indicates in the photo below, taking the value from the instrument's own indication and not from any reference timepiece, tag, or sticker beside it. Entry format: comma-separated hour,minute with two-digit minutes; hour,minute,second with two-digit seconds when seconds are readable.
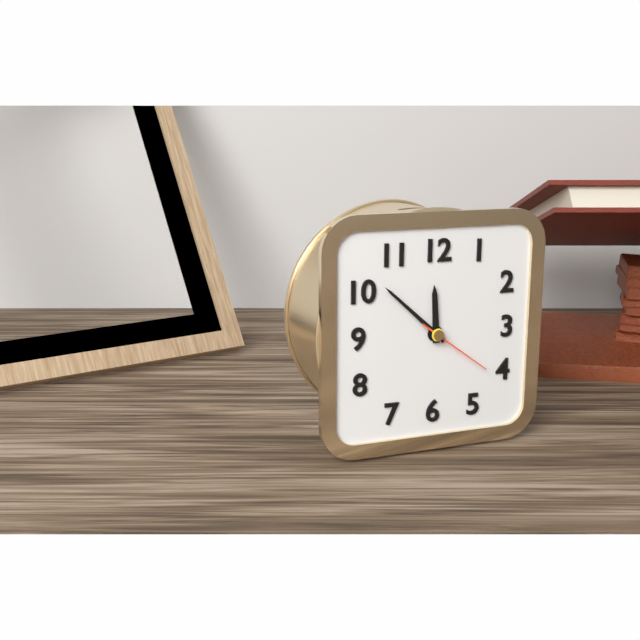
11,52,21
